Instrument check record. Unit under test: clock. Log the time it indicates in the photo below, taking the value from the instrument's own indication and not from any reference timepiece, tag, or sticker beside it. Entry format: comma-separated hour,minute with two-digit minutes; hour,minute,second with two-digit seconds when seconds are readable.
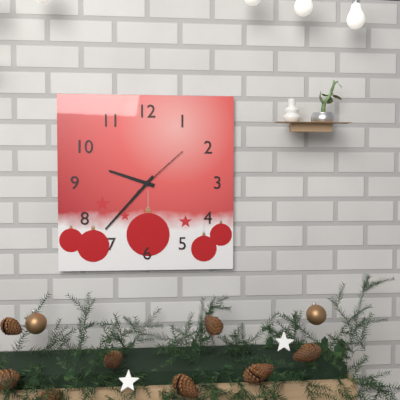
9,37,08
